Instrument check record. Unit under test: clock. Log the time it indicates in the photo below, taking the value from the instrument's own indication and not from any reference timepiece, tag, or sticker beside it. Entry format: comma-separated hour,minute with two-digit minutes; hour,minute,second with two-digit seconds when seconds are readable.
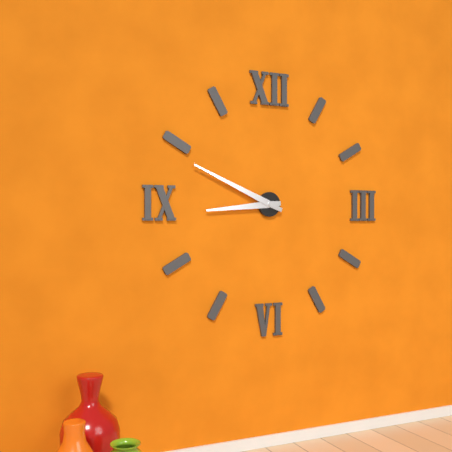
8,49
